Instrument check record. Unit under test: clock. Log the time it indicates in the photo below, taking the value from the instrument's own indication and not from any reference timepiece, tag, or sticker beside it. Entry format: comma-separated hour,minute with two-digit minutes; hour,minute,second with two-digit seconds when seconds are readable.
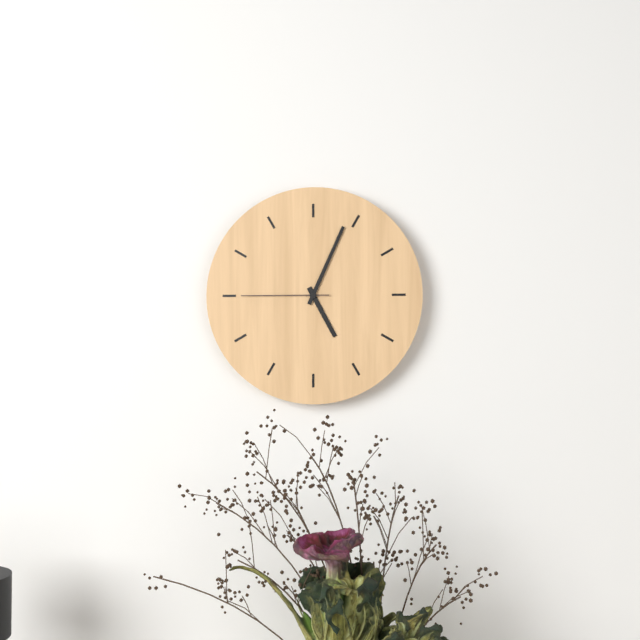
5,04,45
